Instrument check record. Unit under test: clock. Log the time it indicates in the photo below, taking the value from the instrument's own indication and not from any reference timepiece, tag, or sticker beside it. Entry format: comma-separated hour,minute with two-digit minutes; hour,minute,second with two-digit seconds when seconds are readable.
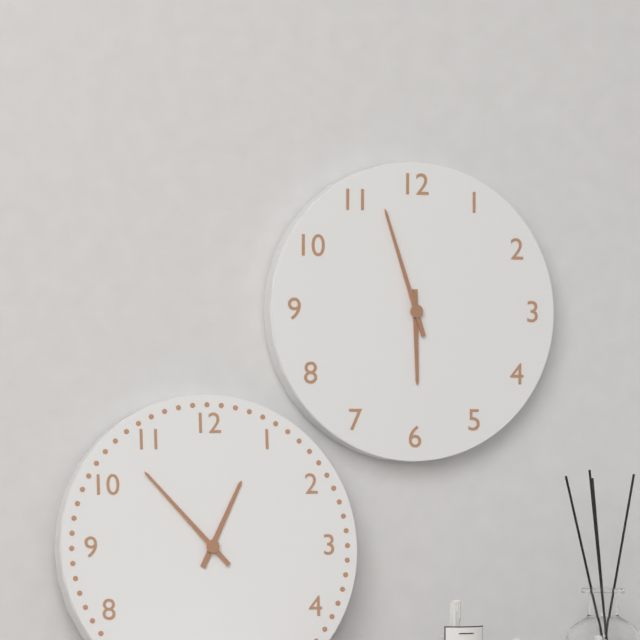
5,57
